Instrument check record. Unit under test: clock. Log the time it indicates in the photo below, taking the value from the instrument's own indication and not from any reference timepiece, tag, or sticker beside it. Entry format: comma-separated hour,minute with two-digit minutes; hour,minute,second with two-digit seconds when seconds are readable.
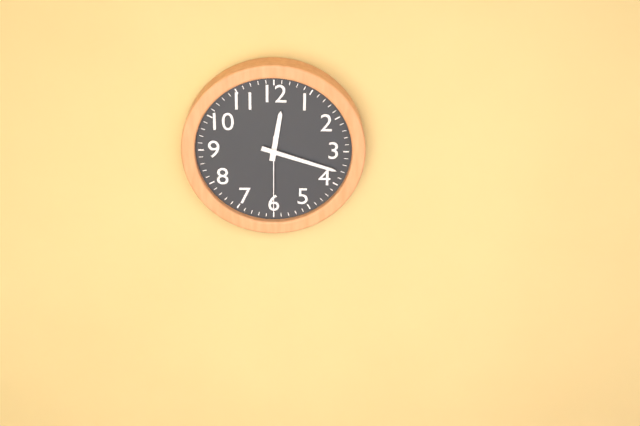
12,18,30
